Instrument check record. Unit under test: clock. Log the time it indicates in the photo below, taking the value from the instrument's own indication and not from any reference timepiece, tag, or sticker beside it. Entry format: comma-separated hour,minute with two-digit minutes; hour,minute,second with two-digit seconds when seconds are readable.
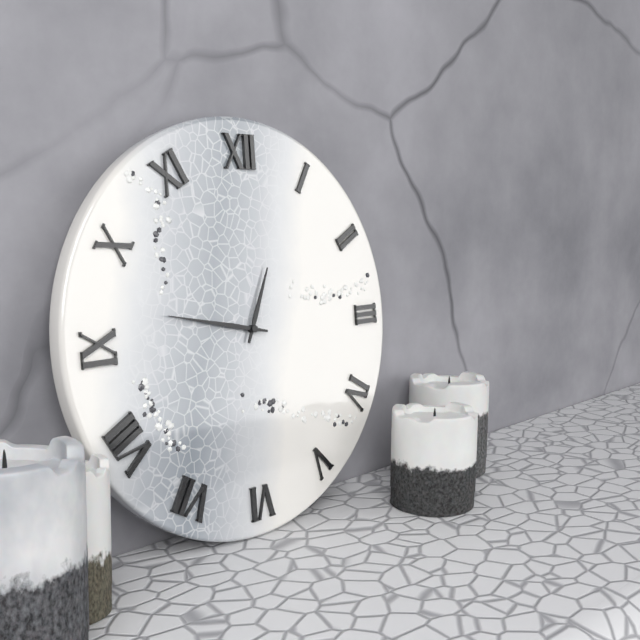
12,47
